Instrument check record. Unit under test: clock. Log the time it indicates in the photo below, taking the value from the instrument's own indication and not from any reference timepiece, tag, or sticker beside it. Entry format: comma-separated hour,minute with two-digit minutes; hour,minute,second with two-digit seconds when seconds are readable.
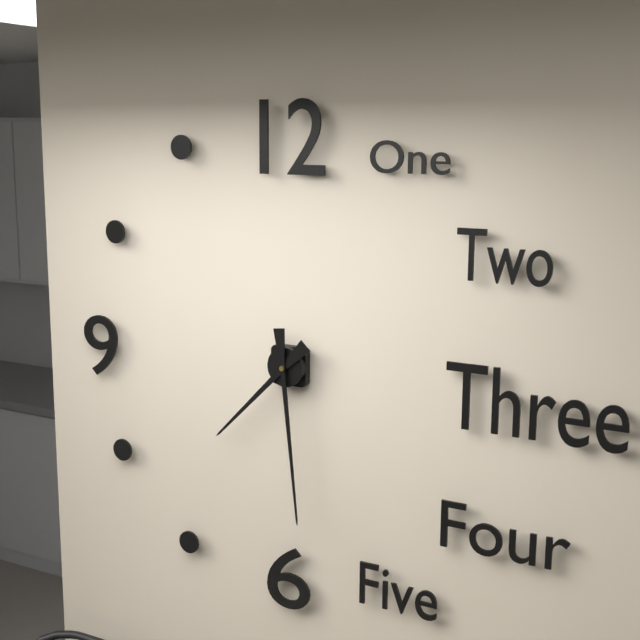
7,29
